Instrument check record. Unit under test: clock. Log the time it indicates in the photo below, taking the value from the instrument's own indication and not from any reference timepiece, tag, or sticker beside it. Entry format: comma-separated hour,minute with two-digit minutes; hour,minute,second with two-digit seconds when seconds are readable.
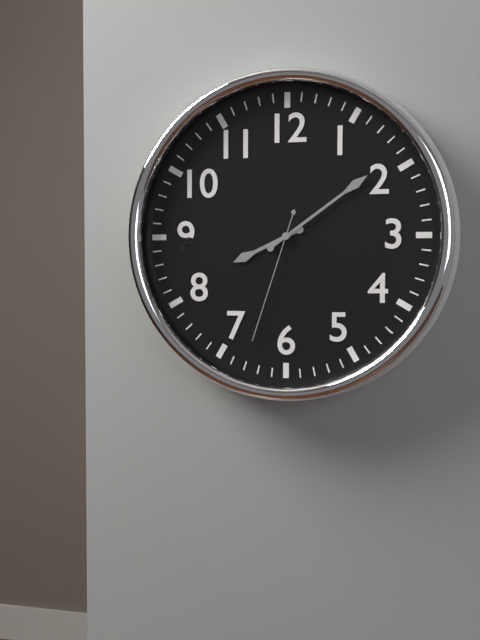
8,09,33
